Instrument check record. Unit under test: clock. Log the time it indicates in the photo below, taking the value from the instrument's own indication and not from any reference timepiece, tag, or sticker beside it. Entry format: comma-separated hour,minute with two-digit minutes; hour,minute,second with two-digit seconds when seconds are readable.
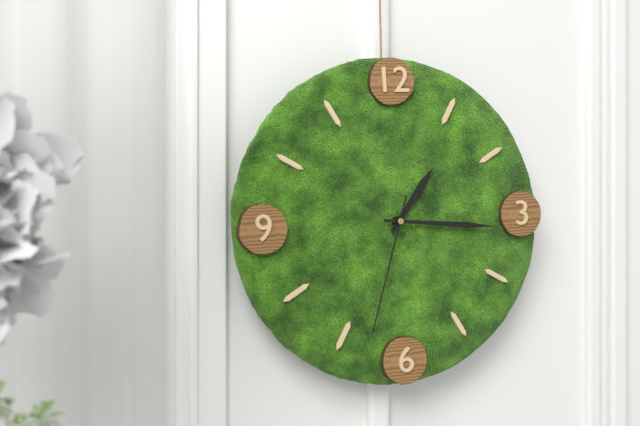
1,16,33
